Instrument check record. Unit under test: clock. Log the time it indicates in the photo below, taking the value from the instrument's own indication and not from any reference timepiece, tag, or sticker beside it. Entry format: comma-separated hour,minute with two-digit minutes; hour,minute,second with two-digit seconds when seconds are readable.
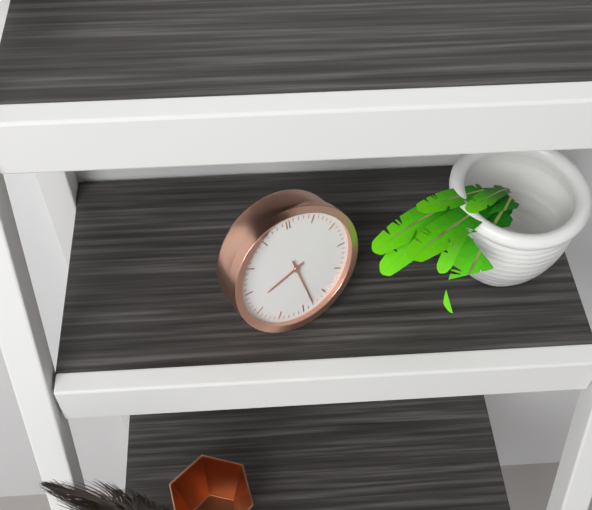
8,28
